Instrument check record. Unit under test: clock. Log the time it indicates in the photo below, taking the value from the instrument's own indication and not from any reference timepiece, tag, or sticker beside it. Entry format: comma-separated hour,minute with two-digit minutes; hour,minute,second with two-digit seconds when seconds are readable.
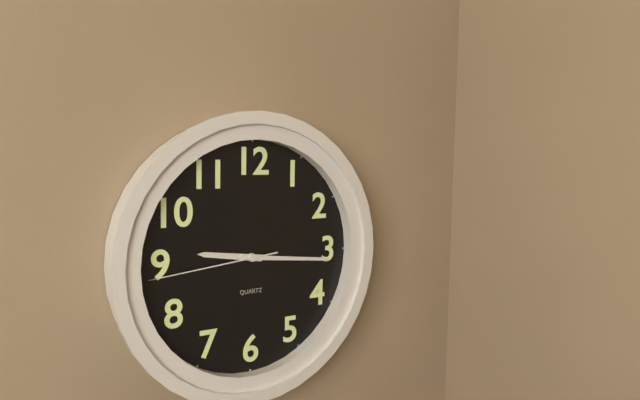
9,16,44
